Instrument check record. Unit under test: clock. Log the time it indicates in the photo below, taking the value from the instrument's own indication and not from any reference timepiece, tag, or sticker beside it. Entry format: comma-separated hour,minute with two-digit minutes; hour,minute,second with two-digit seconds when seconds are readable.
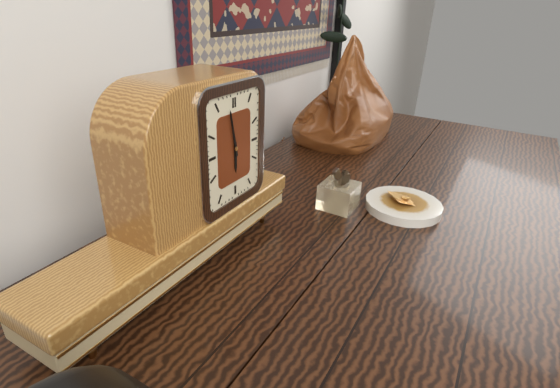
5,58
